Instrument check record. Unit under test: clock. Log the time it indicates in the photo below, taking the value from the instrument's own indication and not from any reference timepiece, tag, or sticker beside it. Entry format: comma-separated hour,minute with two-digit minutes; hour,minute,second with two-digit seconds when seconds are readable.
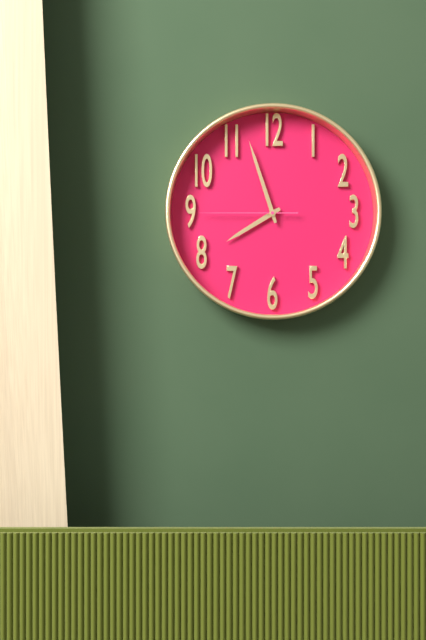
7,57,45
